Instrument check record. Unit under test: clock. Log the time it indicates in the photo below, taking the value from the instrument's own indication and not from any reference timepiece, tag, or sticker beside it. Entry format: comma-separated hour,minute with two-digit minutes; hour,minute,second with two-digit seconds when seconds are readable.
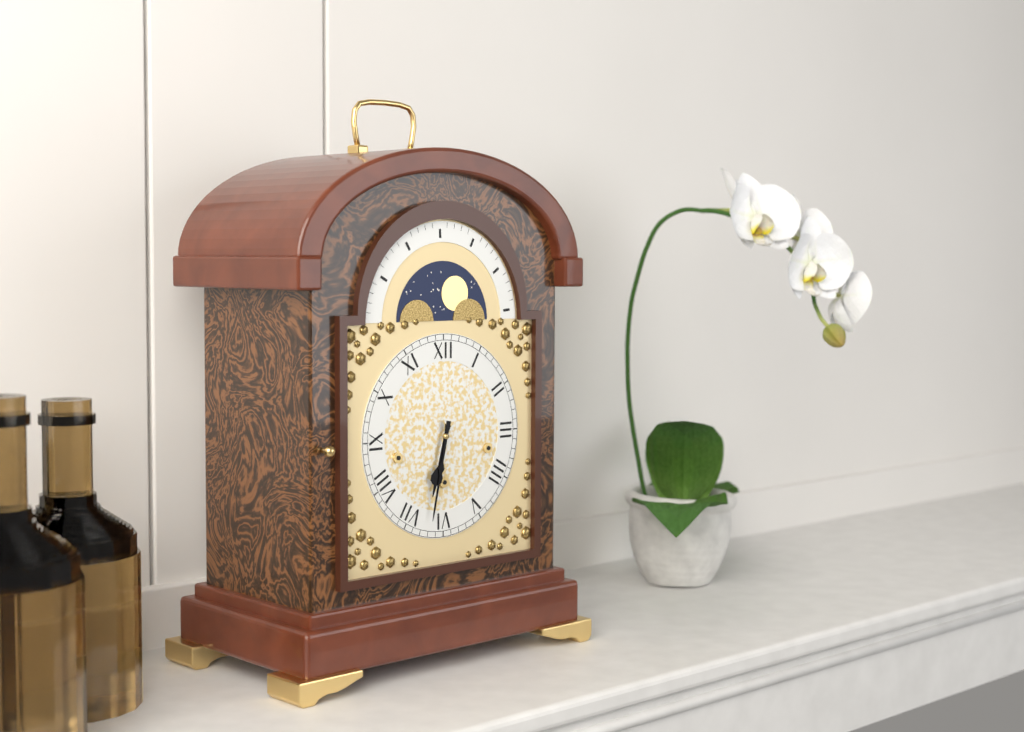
6,32
